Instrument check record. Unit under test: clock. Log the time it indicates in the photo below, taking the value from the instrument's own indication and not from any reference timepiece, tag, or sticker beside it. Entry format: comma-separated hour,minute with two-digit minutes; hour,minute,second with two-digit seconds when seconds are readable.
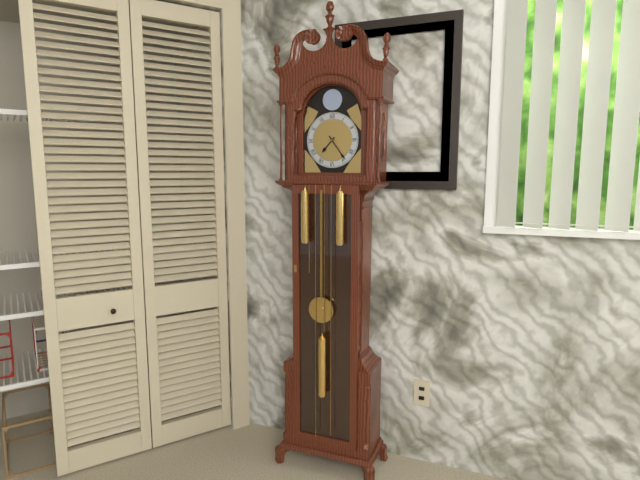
7,24
